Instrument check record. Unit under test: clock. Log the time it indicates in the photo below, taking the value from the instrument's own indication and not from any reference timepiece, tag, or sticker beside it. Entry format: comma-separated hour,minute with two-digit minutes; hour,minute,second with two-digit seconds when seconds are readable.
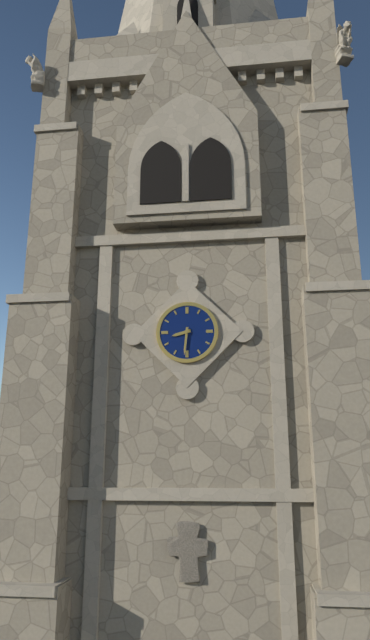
8,31
